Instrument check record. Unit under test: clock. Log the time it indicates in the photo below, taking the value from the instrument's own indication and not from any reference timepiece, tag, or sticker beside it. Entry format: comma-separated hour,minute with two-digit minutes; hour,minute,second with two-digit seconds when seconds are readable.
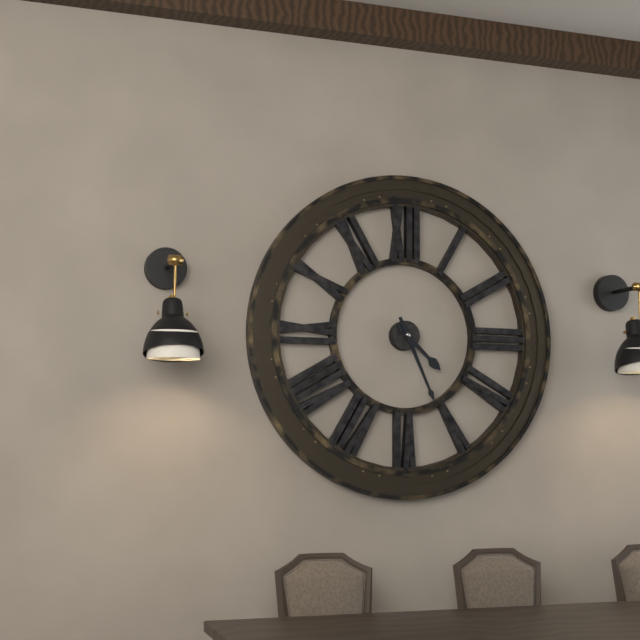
4,26
